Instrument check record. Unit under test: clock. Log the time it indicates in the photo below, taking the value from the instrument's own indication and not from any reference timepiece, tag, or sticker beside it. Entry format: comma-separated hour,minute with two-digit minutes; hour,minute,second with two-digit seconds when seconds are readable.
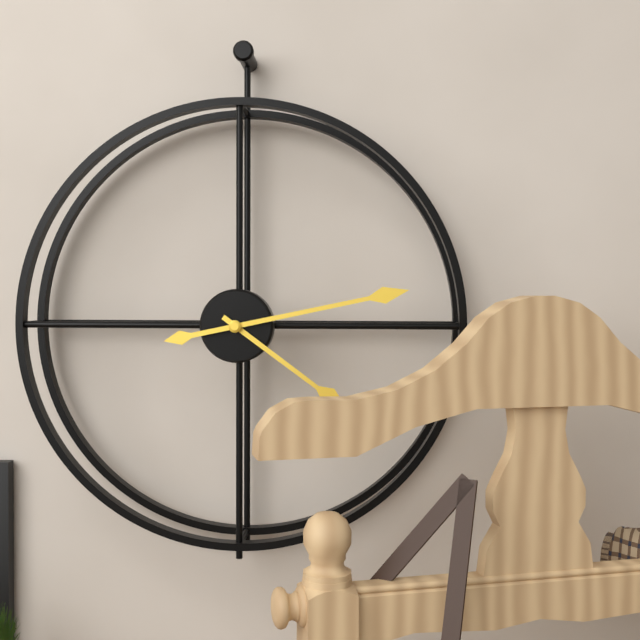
4,13
